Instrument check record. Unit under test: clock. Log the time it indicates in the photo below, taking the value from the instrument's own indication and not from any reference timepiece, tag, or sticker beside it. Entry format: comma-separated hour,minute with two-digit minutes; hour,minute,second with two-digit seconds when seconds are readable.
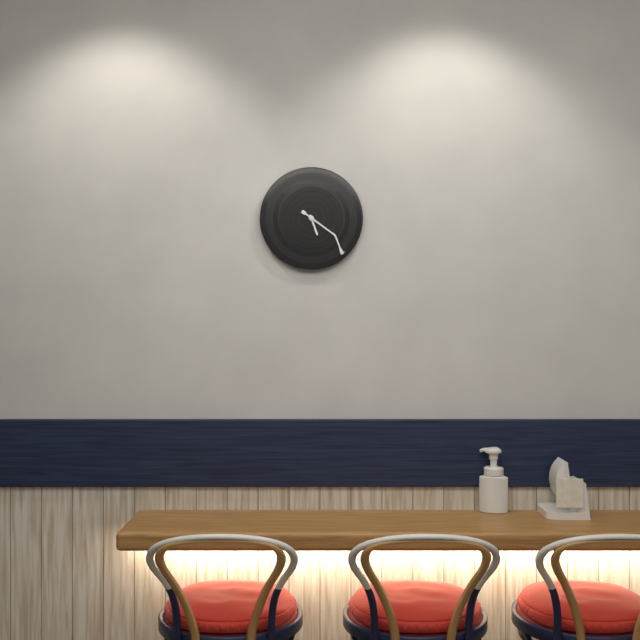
5,21
